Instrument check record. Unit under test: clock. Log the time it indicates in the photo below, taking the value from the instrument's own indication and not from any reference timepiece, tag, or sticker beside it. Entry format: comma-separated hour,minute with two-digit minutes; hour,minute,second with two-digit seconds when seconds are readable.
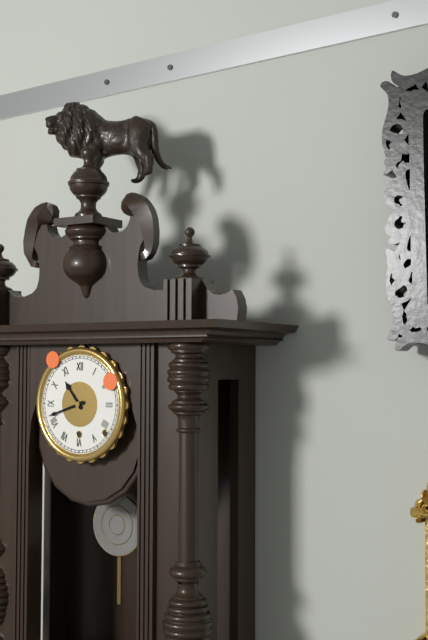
10,42
